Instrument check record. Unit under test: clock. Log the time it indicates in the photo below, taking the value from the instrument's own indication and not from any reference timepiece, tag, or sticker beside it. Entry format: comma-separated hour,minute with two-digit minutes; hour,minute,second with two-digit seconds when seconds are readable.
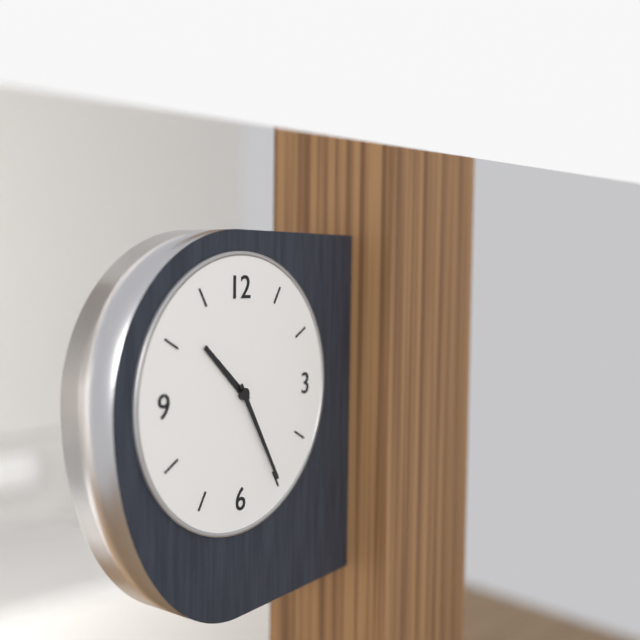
10,25
